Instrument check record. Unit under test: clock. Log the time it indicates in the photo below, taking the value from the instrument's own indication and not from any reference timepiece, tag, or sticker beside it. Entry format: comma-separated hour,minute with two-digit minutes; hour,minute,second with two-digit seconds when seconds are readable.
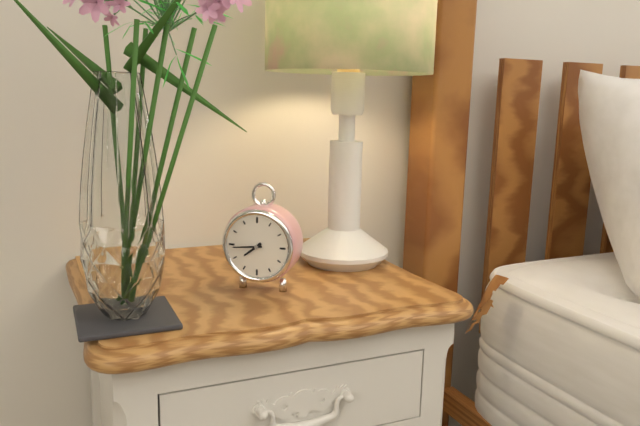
7,44
